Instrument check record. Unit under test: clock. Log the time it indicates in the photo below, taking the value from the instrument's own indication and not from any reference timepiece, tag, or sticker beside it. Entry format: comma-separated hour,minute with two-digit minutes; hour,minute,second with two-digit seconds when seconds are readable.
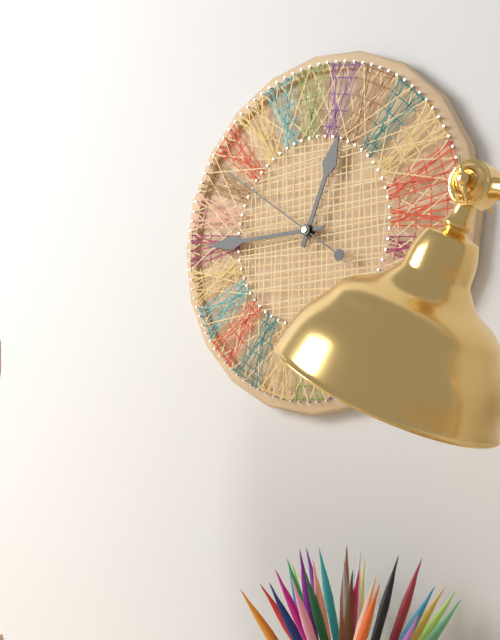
12,45,51
